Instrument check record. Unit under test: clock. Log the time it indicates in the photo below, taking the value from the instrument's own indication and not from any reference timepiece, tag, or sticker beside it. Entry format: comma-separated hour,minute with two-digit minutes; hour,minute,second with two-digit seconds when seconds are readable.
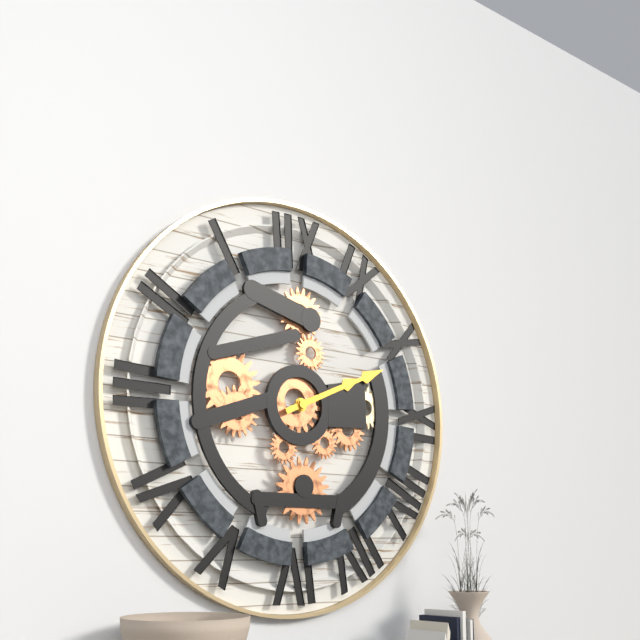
2,11
